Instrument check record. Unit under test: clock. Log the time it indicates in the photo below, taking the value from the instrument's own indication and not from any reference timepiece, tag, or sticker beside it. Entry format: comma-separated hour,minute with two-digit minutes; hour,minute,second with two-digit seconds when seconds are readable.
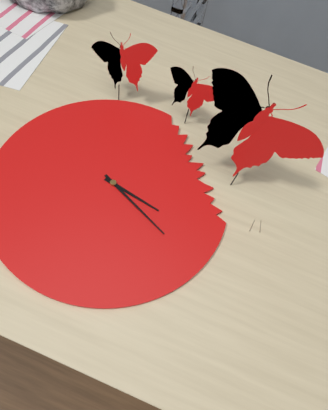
3,19
